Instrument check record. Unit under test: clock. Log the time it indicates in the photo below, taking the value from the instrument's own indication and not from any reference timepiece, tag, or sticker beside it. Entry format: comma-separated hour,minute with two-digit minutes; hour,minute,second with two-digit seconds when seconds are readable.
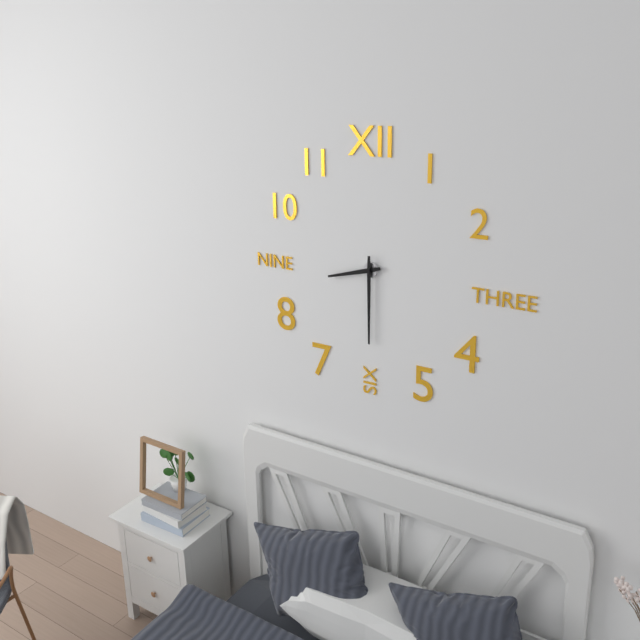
8,30
